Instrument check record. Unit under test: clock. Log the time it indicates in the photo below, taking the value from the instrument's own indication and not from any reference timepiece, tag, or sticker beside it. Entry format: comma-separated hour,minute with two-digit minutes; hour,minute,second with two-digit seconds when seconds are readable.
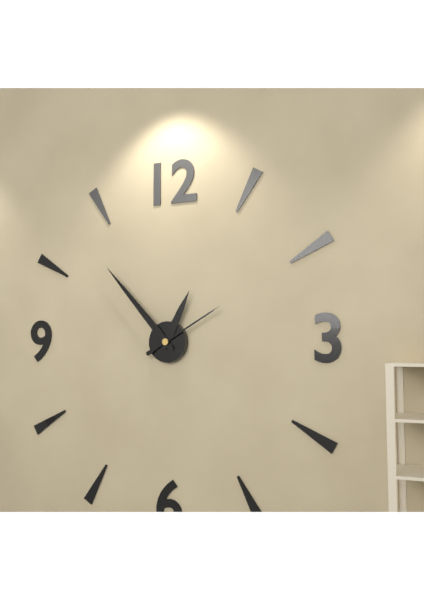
12,53,10
